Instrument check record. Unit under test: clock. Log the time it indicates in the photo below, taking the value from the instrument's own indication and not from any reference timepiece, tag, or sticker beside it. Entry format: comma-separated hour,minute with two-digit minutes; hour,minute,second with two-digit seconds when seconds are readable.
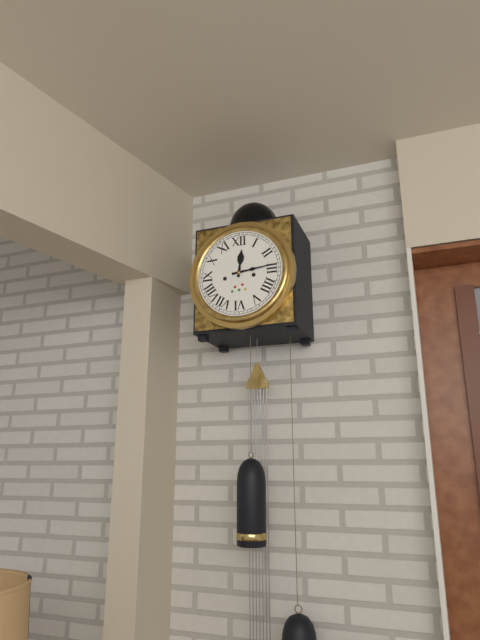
12,14
